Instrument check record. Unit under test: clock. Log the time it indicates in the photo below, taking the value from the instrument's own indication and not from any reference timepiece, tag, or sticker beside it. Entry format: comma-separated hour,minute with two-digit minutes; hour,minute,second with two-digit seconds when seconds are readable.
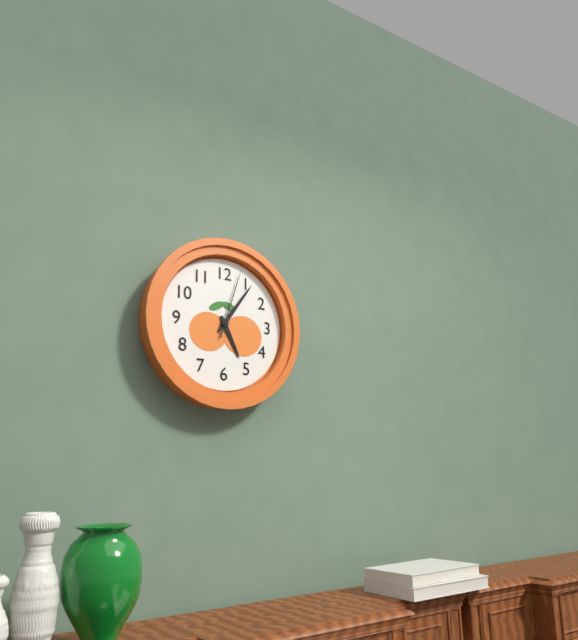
5,06,03
